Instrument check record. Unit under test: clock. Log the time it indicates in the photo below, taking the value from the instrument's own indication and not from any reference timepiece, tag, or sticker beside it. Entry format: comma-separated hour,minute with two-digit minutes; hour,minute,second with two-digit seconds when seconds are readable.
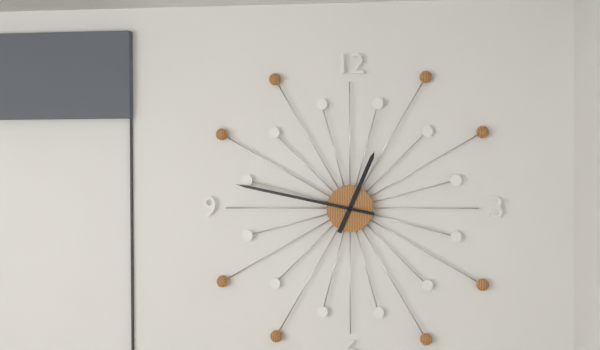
12,47
